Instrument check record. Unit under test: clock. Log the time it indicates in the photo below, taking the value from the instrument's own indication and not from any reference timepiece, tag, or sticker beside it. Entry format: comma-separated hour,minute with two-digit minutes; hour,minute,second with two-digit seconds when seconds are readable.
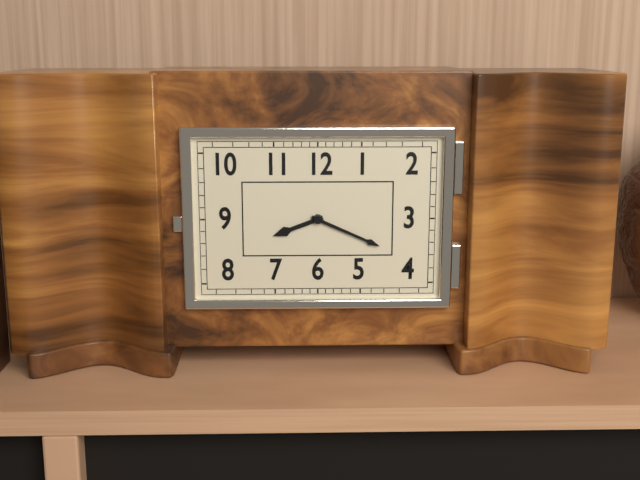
8,19
